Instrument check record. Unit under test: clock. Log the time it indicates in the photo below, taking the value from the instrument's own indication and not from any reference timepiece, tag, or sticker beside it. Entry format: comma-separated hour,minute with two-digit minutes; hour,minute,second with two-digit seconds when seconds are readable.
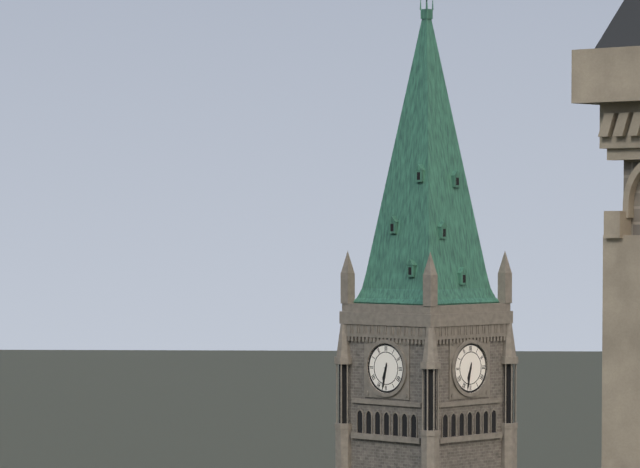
6,32
